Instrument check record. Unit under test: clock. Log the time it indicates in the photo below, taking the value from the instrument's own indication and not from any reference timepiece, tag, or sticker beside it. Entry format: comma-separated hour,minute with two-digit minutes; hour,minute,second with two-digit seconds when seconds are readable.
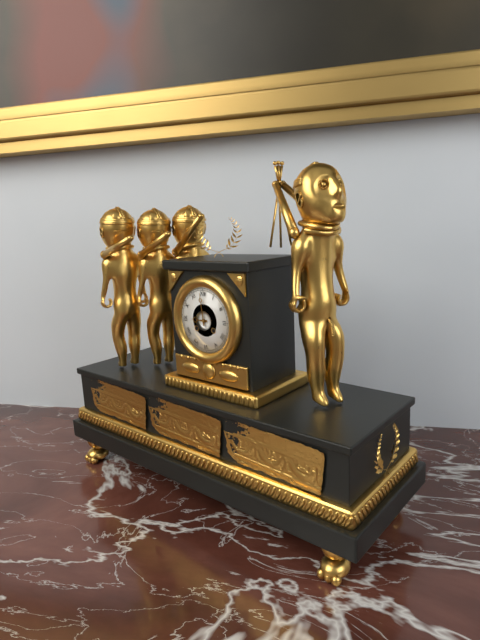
8,59
